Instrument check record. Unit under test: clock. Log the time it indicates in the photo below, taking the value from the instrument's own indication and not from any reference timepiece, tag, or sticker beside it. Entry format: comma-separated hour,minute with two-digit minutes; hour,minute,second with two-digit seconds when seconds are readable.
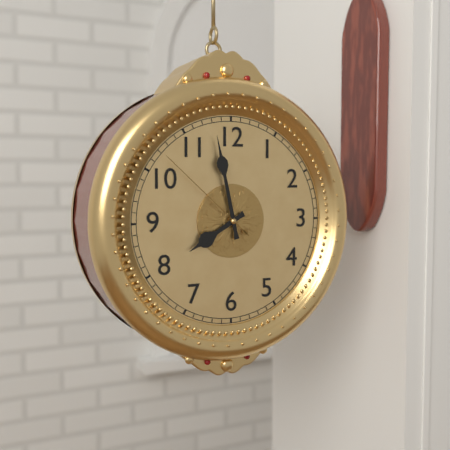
7,58,52
